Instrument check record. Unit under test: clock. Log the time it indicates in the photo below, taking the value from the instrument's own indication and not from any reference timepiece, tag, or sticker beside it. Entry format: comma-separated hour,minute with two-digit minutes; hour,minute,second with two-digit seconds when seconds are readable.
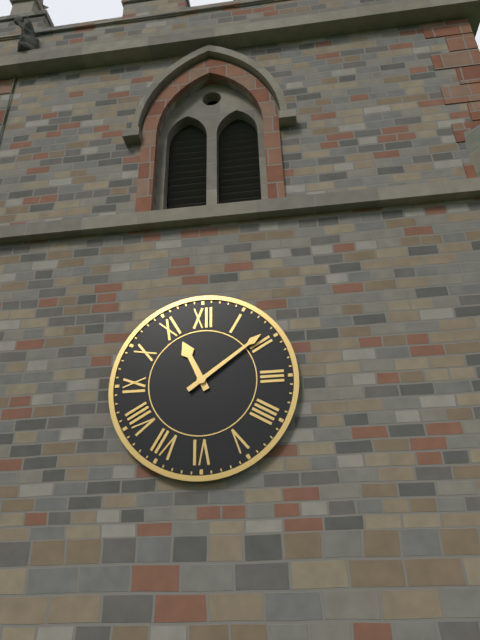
11,09
